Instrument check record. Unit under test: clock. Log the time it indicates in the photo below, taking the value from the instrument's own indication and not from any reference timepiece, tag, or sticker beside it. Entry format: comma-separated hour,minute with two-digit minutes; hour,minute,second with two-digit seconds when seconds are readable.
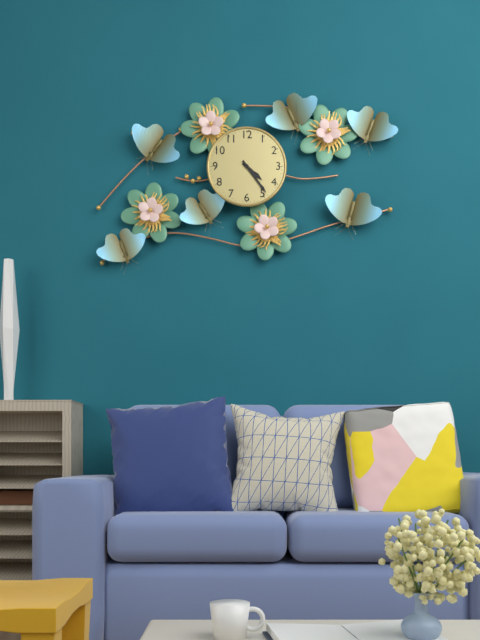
4,24
